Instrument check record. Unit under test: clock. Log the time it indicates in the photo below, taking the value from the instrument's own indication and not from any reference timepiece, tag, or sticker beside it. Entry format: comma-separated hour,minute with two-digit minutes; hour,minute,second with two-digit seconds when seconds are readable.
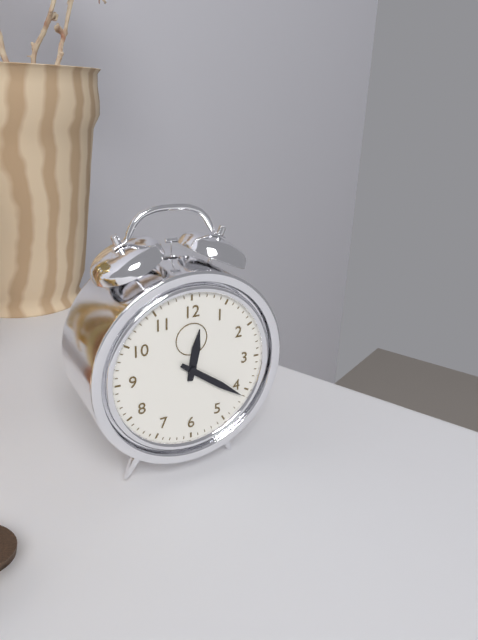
12,21
